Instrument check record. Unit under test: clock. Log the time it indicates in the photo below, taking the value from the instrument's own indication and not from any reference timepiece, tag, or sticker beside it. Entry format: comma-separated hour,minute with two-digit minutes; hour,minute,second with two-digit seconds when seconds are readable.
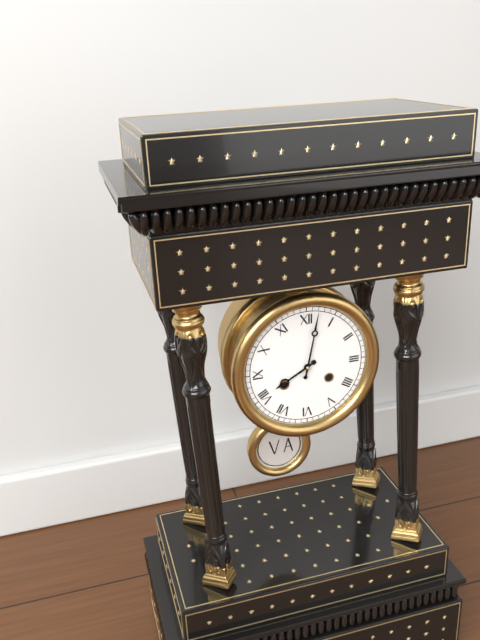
8,02
